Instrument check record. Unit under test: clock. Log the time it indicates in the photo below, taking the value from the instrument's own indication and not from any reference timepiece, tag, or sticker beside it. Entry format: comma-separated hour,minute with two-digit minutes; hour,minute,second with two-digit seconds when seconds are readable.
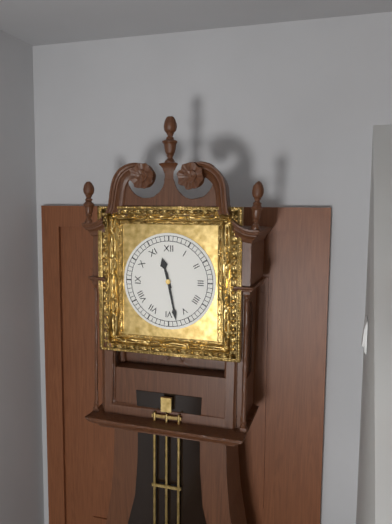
11,28
